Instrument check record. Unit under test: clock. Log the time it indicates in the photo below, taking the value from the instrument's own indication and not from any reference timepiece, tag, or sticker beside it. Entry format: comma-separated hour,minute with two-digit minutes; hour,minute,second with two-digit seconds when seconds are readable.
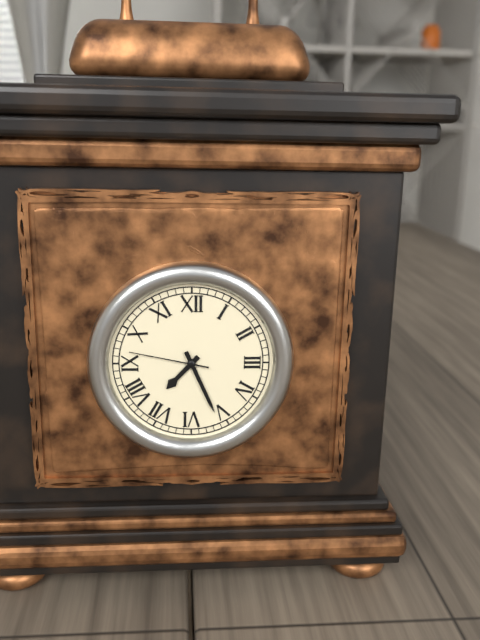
7,26,47
